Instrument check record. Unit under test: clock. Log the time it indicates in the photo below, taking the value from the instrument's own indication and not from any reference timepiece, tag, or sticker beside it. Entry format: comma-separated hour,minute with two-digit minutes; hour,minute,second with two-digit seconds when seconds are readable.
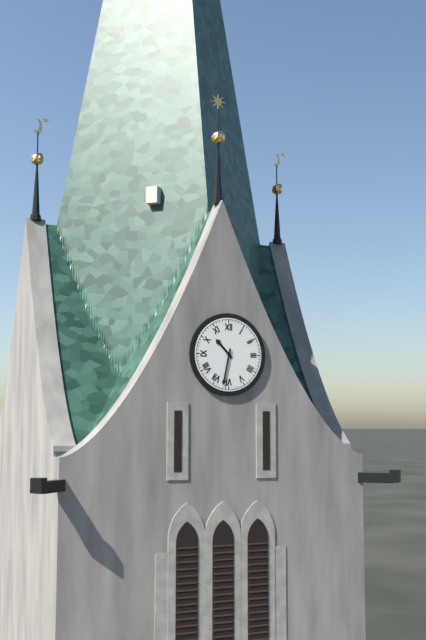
10,32
